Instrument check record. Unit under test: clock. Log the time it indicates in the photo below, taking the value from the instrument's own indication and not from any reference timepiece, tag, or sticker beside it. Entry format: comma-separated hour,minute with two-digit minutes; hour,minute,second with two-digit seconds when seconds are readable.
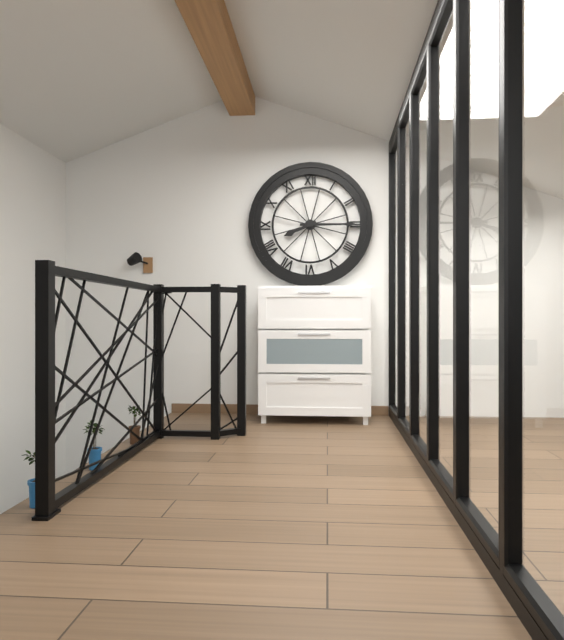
8,15
